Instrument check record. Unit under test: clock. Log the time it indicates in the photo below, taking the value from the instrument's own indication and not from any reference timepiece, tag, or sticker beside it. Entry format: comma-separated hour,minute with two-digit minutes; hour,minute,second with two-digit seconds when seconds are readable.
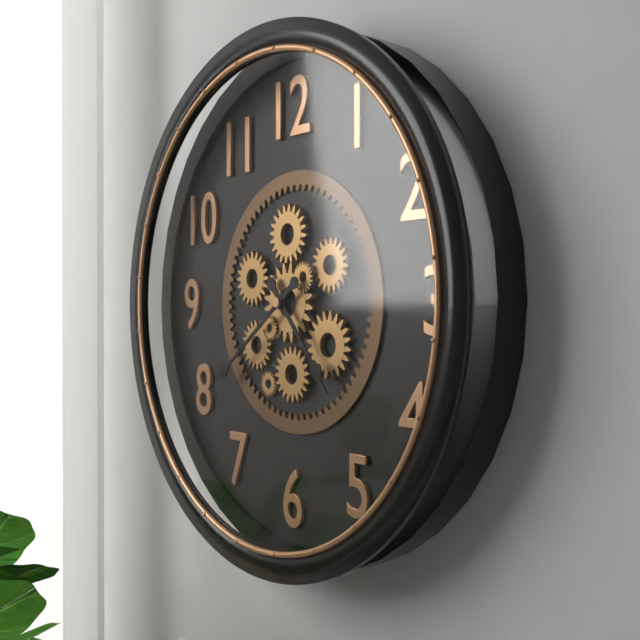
4,39
